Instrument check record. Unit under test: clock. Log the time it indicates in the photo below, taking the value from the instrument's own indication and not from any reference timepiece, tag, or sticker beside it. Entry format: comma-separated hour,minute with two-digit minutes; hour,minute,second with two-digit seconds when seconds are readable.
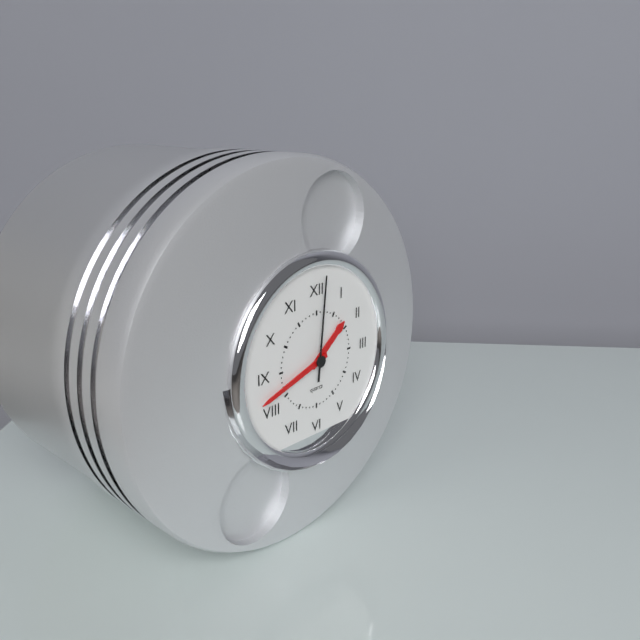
1,42,01
